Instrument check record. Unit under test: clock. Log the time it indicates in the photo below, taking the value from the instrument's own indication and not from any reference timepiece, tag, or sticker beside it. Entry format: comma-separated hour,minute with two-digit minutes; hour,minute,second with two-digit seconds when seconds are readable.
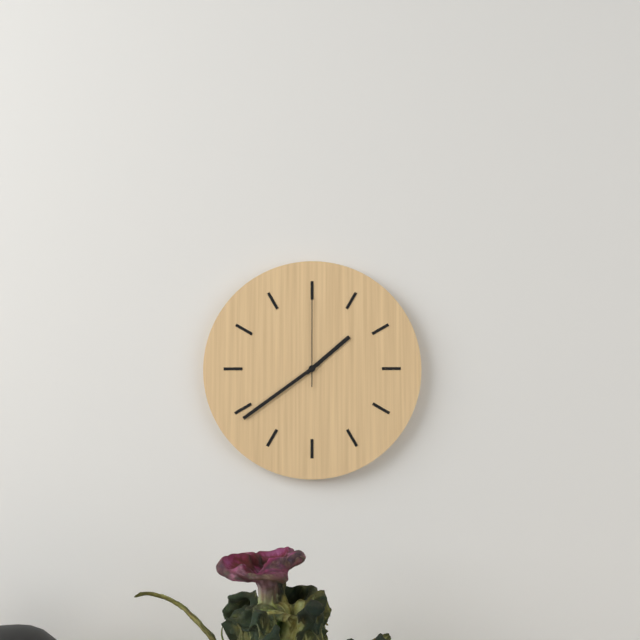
1,39,00
